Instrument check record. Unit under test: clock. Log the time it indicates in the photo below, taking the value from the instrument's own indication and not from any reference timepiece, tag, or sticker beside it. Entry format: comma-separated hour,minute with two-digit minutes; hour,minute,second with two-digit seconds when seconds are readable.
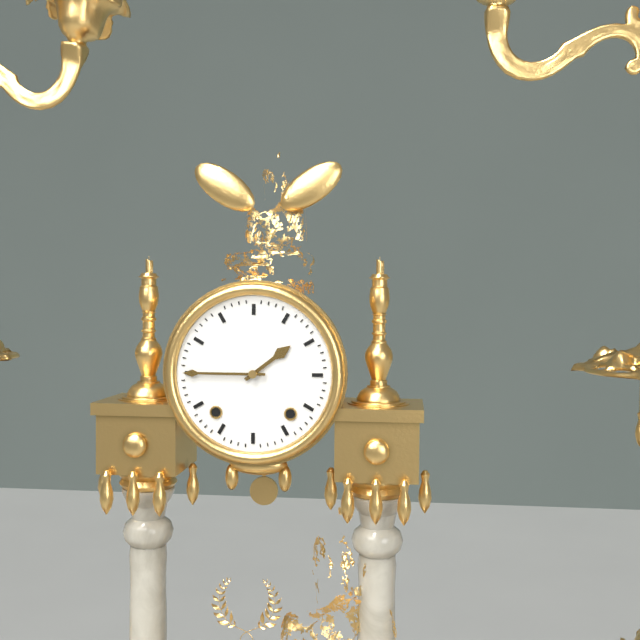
1,45
